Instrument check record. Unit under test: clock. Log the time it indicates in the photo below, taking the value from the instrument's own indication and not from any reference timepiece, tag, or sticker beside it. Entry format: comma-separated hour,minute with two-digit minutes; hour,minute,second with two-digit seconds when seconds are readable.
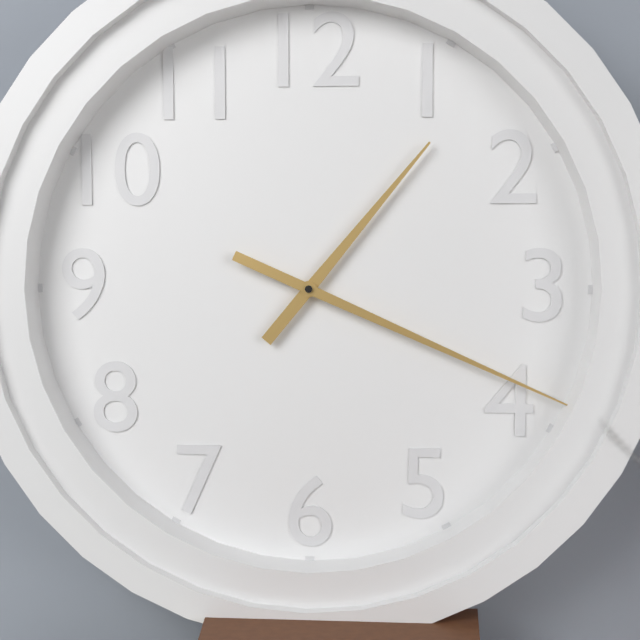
1,19
